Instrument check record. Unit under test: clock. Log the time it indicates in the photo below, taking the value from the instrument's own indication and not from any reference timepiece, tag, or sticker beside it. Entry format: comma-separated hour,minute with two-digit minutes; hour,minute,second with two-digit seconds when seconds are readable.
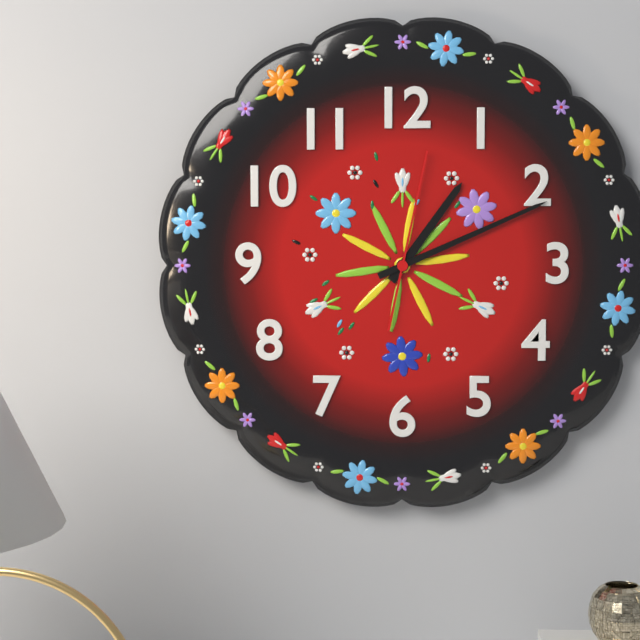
1,11,02
